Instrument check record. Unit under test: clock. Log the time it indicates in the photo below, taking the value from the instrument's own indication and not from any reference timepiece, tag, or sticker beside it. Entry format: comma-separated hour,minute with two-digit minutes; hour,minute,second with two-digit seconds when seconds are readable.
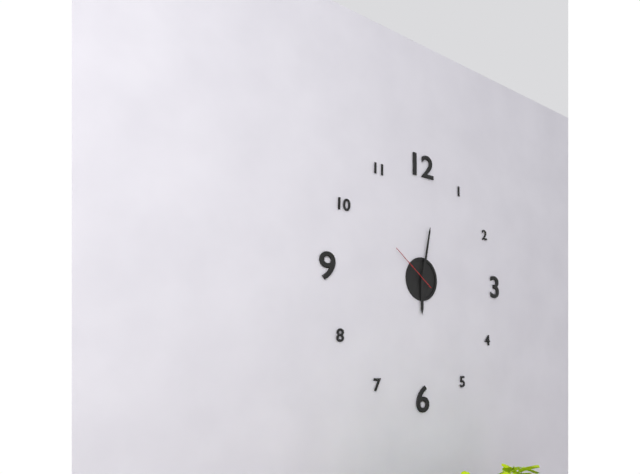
6,02,51
